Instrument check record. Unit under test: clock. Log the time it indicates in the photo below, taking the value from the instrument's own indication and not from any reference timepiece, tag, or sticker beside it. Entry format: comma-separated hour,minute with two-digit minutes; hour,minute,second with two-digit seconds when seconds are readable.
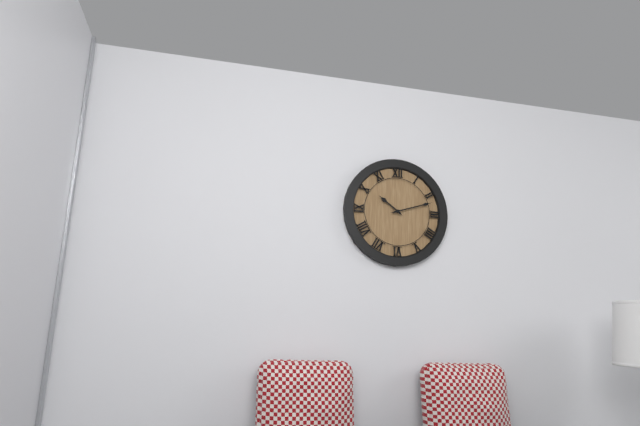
10,12
